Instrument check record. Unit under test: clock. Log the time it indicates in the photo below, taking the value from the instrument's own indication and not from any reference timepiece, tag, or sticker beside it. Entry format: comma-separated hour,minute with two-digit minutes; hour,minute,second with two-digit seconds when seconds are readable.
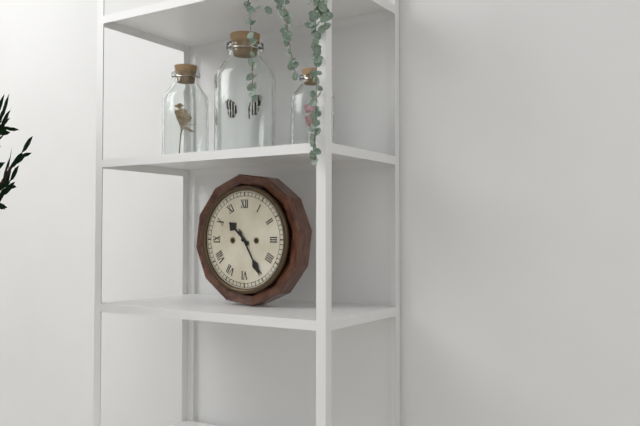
10,25
